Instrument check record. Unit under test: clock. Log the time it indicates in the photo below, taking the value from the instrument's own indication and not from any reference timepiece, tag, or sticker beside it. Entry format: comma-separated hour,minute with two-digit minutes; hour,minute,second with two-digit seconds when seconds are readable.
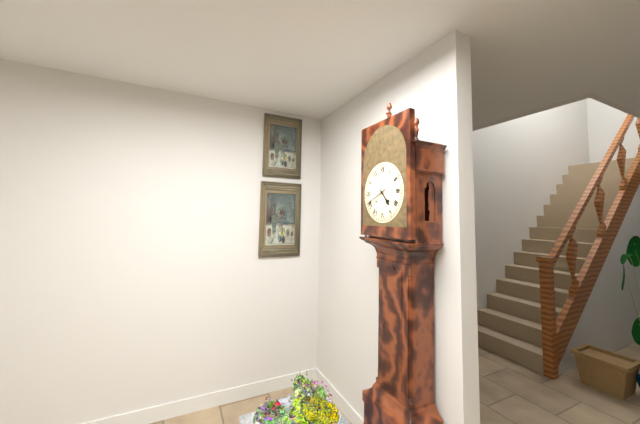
4,41
